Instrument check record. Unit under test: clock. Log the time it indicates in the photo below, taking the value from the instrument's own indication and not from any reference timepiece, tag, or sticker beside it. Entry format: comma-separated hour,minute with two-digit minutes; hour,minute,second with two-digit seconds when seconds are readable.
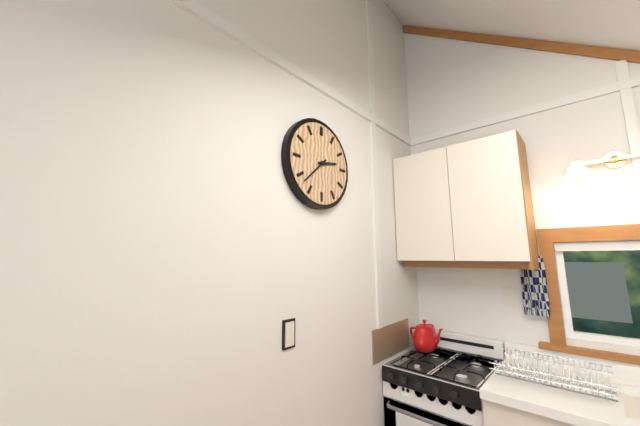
2,38
